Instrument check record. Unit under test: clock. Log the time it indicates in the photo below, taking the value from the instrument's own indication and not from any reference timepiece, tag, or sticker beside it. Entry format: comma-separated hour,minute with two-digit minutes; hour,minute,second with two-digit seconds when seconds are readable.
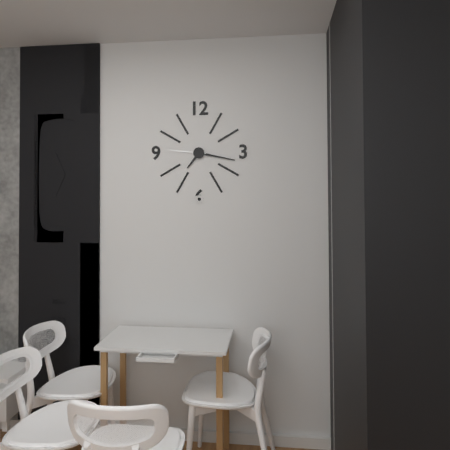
7,17
